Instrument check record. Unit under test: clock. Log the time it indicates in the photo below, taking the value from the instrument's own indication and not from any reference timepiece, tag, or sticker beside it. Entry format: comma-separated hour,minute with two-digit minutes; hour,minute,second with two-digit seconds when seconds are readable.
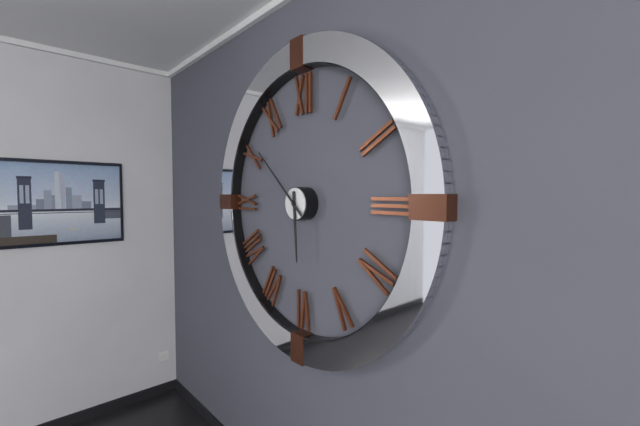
5,52
